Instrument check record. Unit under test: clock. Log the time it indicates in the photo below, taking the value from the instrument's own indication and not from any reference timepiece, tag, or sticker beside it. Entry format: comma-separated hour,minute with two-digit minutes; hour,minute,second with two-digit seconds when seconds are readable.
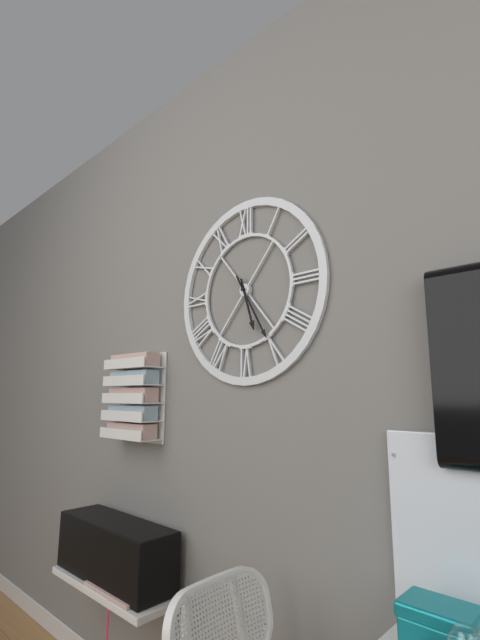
5,25
